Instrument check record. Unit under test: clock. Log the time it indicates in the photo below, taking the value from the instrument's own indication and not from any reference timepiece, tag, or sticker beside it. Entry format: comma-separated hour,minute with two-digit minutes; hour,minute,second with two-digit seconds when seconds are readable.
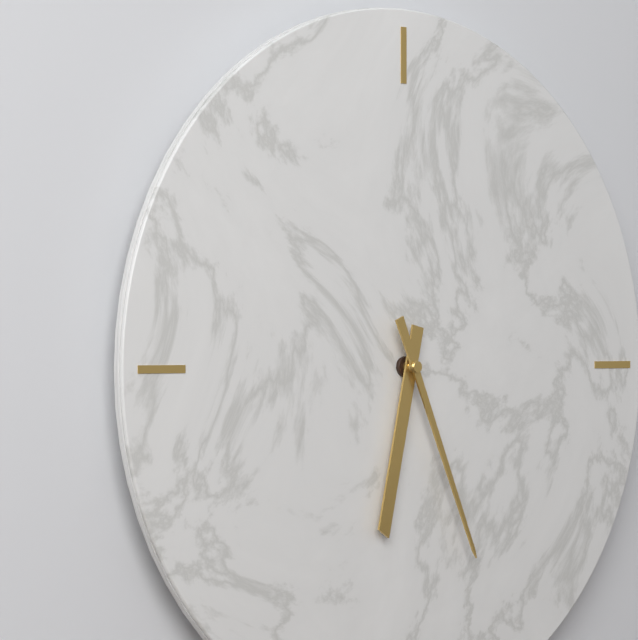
6,26
